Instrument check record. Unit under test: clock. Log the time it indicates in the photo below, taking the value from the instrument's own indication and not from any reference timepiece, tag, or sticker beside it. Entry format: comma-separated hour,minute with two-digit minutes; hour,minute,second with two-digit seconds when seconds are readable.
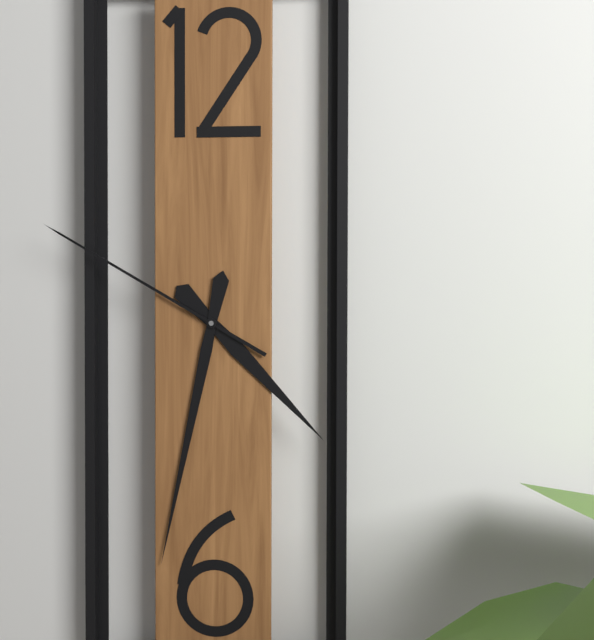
4,32,50
